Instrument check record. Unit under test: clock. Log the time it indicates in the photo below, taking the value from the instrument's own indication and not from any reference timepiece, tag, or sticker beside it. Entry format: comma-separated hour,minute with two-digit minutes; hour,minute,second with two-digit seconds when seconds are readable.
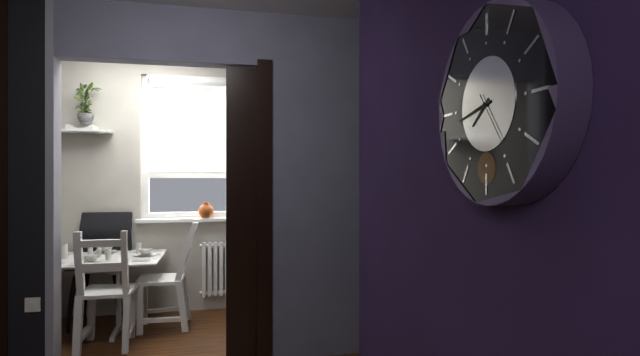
7,43
